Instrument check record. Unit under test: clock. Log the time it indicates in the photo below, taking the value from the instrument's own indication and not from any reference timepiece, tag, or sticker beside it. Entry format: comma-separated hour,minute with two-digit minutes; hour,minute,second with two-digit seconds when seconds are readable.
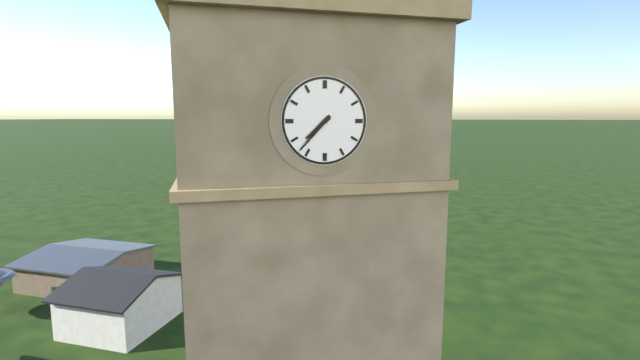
7,37
